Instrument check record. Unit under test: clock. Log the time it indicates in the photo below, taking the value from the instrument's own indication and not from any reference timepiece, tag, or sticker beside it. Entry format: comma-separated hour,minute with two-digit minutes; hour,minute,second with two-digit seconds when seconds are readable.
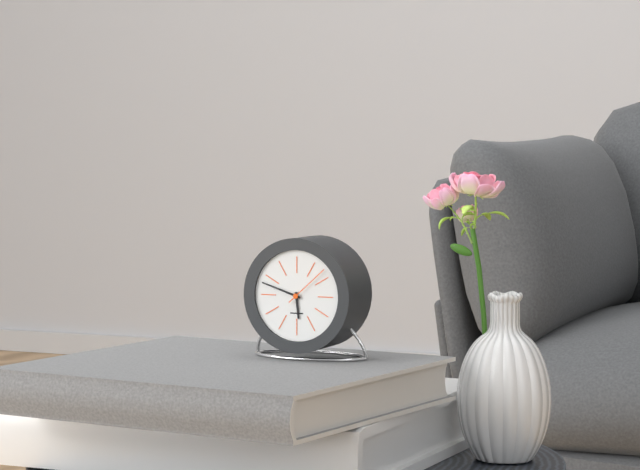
5,48
